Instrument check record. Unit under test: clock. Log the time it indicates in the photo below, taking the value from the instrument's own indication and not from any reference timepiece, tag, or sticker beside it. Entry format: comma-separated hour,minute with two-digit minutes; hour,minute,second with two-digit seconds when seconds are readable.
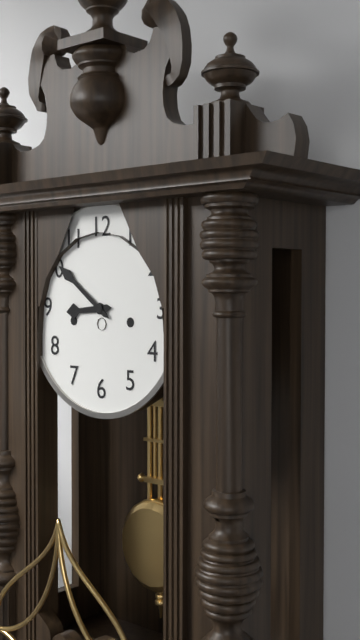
8,51
